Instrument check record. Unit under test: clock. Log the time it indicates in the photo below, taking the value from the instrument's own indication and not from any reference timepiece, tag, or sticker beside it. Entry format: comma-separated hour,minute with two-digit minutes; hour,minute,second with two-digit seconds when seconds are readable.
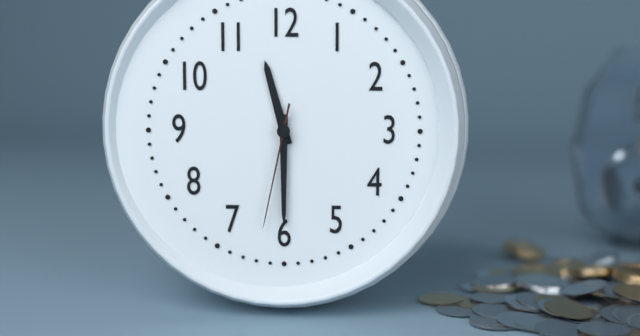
11,30,32
